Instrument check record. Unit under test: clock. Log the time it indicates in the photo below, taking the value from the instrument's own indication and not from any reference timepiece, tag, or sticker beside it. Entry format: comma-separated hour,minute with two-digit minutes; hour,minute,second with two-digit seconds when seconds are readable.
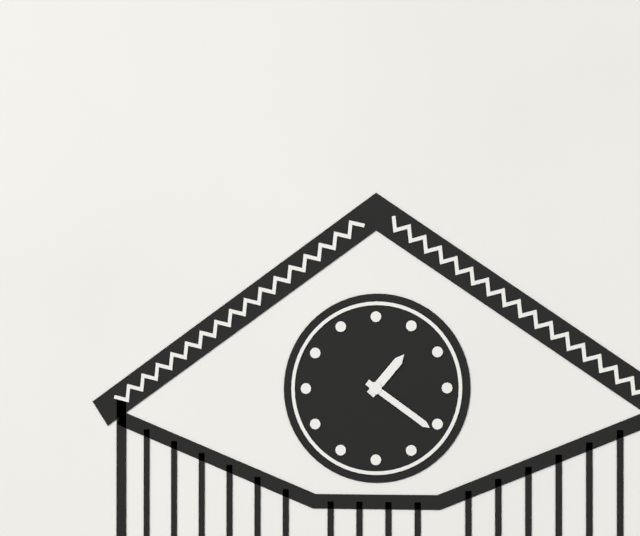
1,21
